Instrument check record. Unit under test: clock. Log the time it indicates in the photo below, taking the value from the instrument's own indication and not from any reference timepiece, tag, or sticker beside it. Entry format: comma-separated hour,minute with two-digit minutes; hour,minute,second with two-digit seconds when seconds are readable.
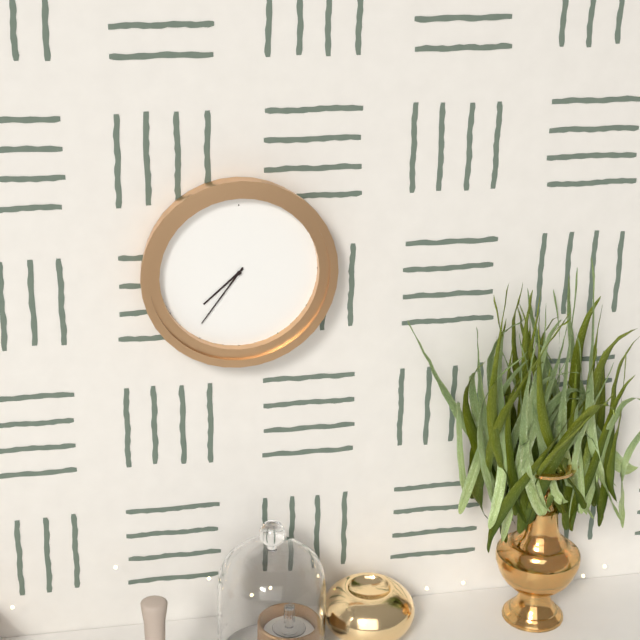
7,36
